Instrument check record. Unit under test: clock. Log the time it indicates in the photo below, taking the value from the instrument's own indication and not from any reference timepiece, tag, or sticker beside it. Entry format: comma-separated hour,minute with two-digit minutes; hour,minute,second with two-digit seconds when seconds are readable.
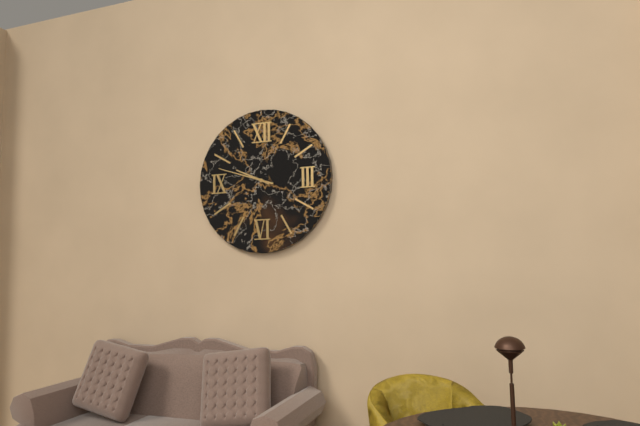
9,48
